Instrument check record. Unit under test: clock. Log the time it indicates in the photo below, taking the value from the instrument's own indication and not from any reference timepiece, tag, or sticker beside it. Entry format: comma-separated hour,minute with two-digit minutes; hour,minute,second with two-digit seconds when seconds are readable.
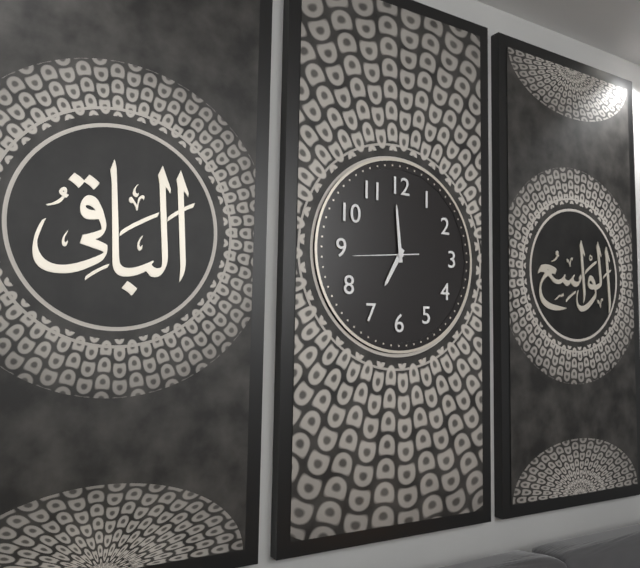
6,59,44
